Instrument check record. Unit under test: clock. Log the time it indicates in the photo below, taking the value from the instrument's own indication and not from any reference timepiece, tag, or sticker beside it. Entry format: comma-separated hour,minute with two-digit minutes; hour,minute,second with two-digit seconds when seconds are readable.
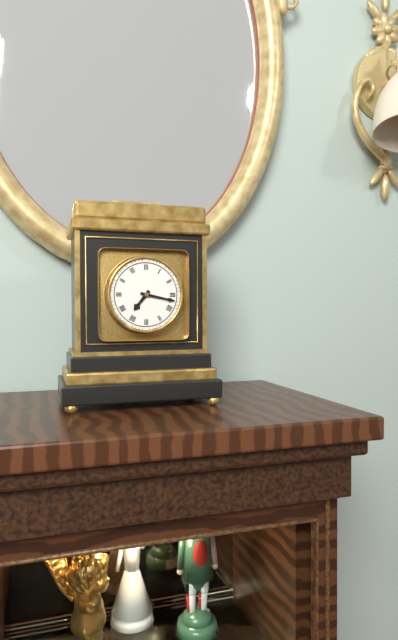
7,17
